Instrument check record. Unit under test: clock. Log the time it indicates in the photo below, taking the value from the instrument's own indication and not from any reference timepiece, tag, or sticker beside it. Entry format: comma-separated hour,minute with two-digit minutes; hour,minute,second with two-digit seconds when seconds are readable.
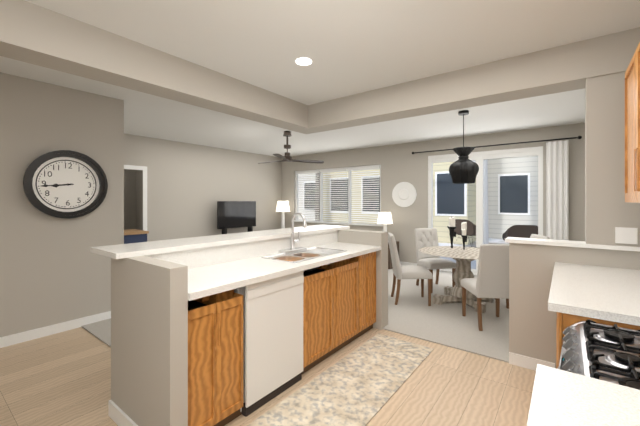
8,44
